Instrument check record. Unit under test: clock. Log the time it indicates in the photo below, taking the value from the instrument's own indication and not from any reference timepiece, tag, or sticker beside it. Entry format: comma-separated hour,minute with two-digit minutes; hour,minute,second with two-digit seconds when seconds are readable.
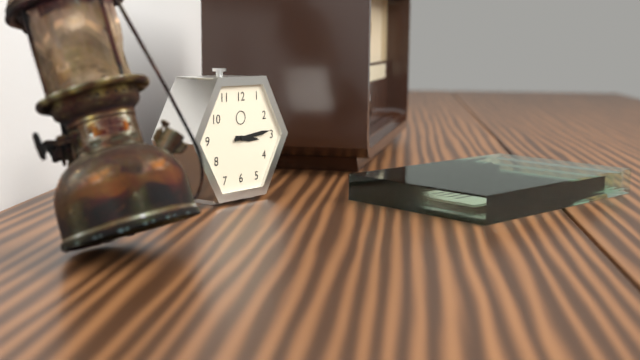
3,14
